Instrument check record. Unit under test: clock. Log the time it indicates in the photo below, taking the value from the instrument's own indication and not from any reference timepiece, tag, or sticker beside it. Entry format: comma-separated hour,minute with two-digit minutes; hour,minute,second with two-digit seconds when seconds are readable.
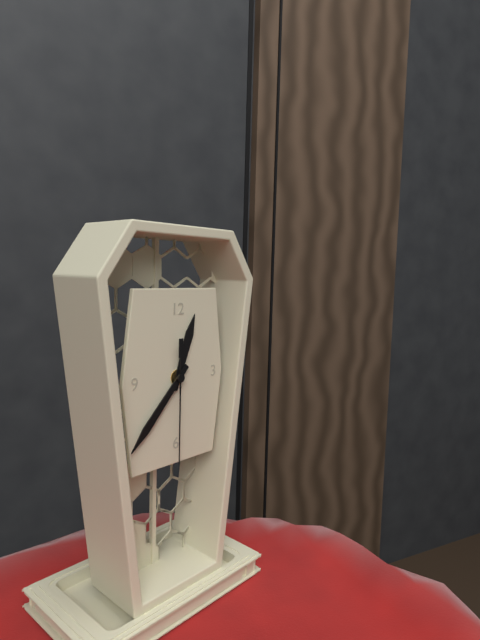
12,37,30
